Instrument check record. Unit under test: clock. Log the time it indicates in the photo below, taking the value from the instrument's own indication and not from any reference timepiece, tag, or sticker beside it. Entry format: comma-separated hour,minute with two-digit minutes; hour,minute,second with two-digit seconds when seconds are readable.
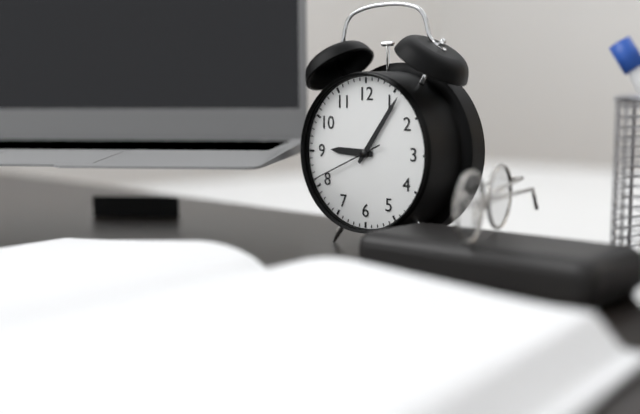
9,06,41
